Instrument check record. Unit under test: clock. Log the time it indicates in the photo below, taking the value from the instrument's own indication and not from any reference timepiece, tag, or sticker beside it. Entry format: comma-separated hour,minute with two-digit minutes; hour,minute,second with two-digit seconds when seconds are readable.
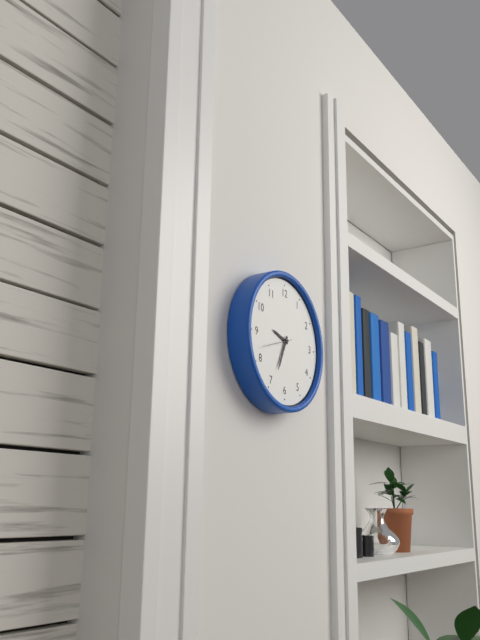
9,34
